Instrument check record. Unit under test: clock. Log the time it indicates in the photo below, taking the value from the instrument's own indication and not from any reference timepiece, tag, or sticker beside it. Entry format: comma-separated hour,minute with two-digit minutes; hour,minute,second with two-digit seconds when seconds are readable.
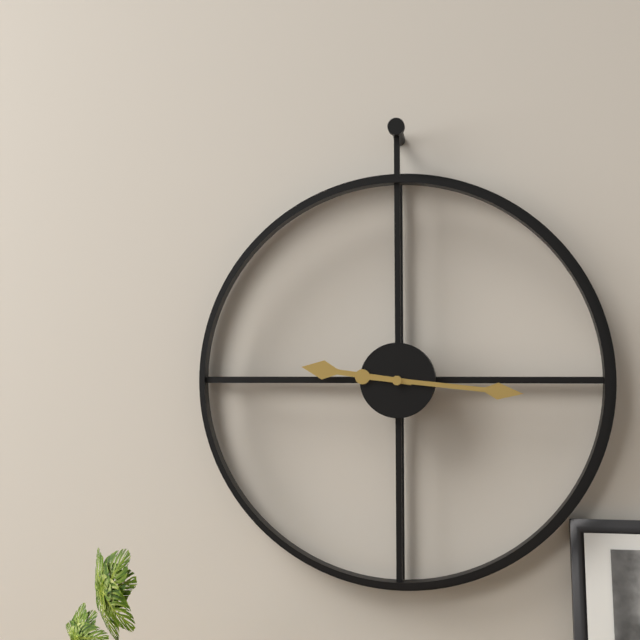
9,16
